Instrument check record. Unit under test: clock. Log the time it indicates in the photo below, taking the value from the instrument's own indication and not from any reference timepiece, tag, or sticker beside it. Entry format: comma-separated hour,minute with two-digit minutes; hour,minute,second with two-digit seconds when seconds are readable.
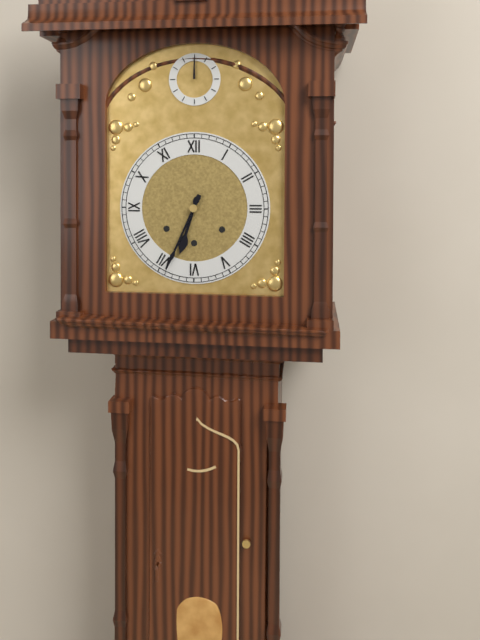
6,34
